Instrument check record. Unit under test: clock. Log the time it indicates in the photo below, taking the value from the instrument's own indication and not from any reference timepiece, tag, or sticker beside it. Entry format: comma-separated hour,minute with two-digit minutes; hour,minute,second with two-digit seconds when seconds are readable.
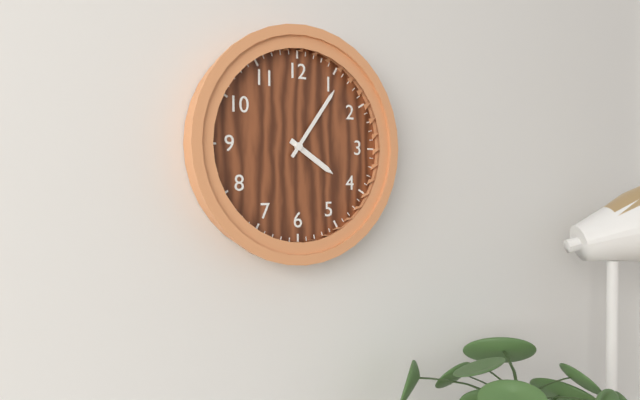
4,06
